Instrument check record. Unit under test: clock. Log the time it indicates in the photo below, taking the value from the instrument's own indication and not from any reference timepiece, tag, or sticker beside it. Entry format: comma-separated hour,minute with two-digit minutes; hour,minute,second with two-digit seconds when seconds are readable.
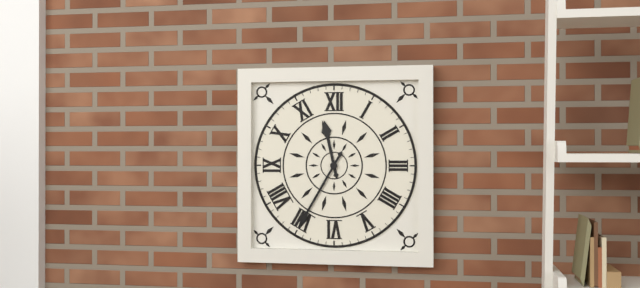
11,35
